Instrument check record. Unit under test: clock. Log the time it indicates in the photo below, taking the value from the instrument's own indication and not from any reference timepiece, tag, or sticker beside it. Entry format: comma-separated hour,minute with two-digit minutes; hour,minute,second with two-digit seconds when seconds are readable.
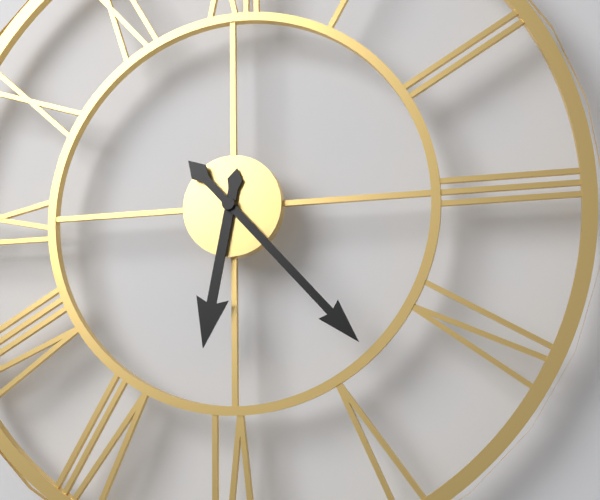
6,23
